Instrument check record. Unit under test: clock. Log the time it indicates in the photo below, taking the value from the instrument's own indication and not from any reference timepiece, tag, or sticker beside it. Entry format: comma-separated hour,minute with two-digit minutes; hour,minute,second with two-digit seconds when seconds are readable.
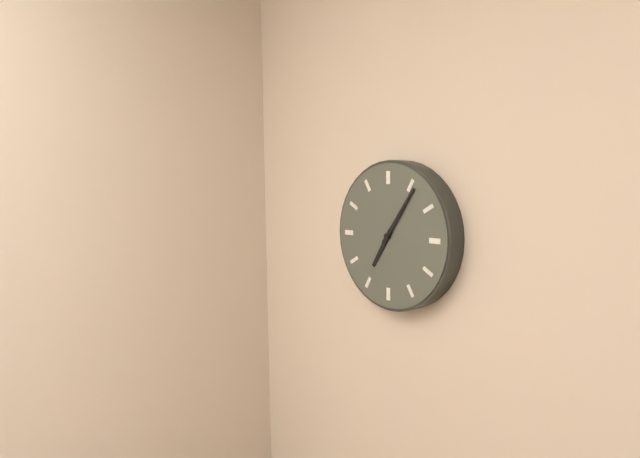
7,06
